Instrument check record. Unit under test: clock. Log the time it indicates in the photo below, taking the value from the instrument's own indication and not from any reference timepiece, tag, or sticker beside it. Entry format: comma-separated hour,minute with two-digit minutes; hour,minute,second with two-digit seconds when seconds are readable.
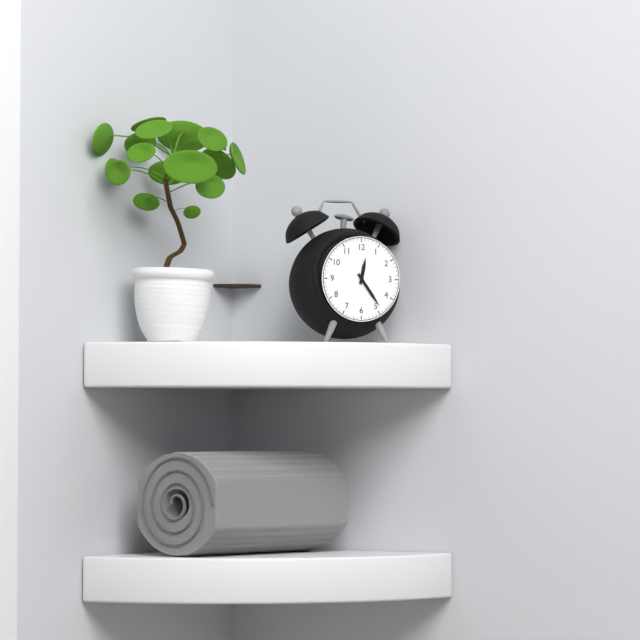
12,24
